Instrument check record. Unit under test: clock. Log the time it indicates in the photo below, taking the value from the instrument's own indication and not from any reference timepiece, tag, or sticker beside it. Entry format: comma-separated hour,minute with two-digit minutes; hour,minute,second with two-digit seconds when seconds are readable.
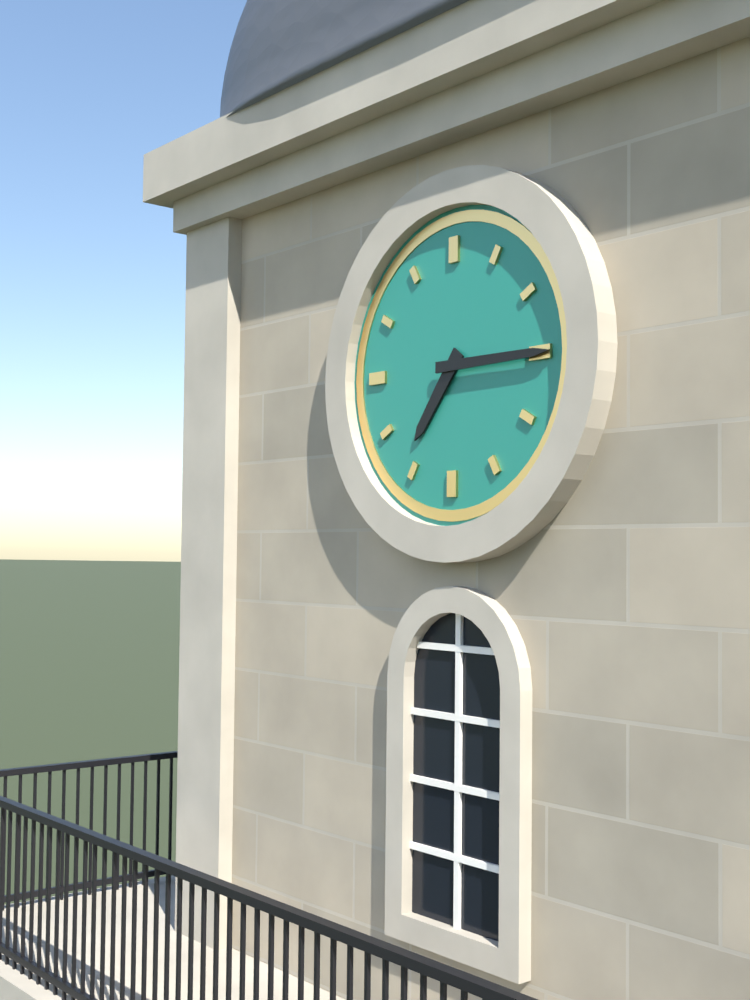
7,15
